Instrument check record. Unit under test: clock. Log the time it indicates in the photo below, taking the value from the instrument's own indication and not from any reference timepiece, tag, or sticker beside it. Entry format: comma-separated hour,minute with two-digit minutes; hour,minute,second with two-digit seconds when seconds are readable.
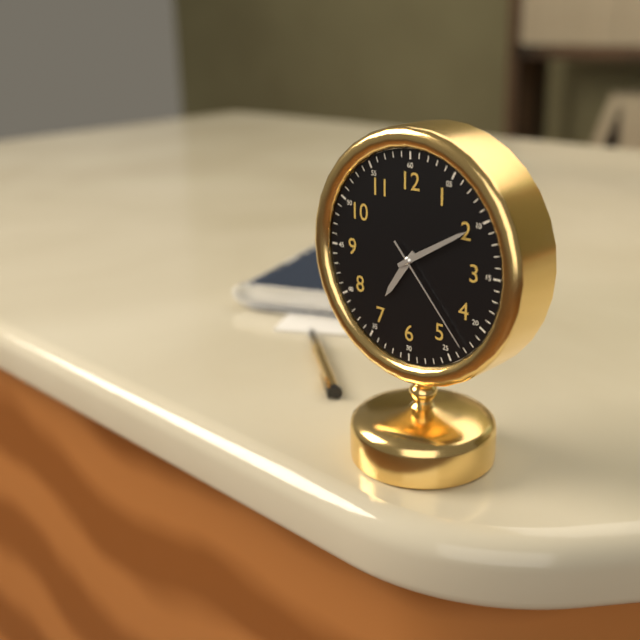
7,10,23
